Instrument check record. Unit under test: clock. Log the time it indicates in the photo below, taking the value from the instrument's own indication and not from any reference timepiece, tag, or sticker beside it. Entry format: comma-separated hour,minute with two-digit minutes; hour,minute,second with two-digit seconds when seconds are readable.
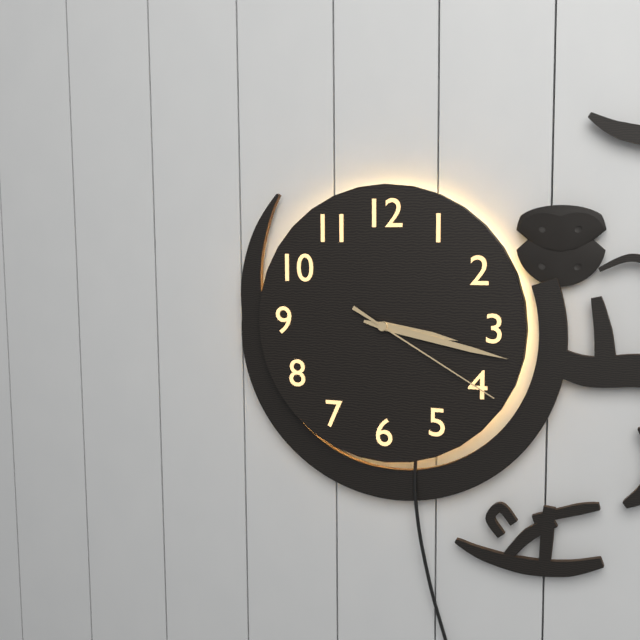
3,17,20
